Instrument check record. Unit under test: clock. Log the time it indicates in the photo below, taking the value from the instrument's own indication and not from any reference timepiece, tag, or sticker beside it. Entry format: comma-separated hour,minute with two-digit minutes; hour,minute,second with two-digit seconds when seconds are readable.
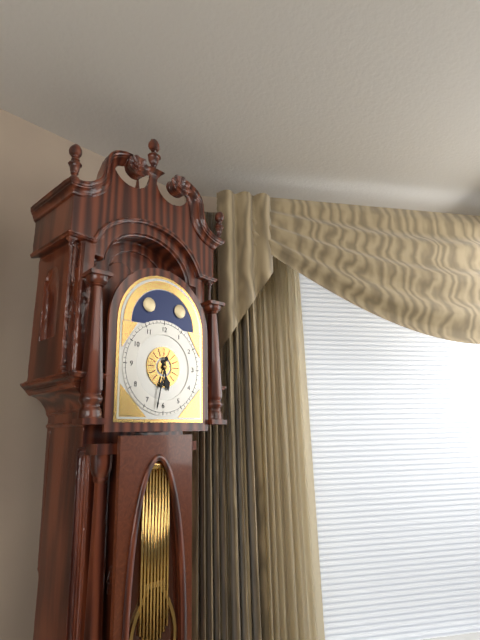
5,32
